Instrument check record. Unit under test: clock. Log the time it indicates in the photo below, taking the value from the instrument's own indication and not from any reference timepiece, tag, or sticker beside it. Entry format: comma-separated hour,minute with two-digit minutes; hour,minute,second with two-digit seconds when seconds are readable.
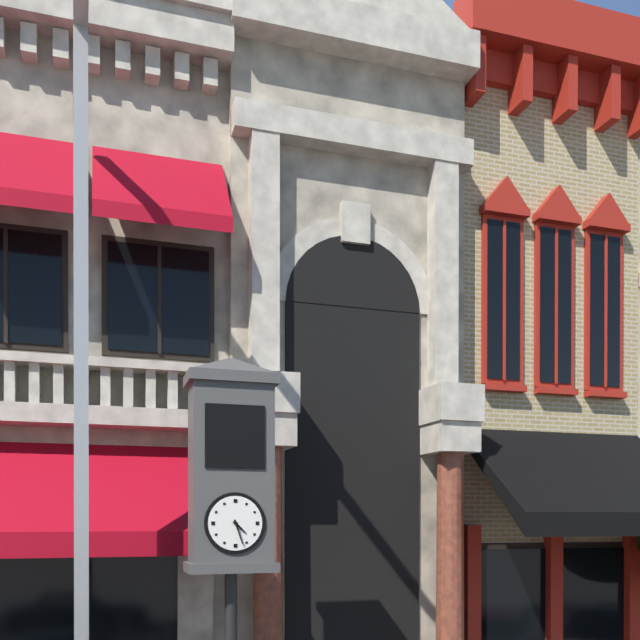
4,27
